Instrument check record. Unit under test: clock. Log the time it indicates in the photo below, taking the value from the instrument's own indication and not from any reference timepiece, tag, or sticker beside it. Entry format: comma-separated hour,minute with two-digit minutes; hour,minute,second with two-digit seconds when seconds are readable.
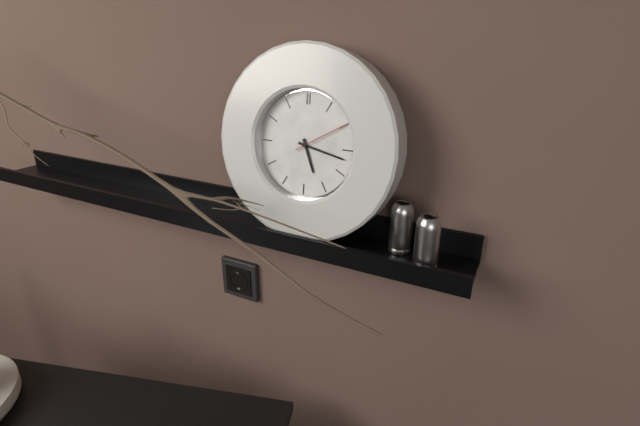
5,17,10
